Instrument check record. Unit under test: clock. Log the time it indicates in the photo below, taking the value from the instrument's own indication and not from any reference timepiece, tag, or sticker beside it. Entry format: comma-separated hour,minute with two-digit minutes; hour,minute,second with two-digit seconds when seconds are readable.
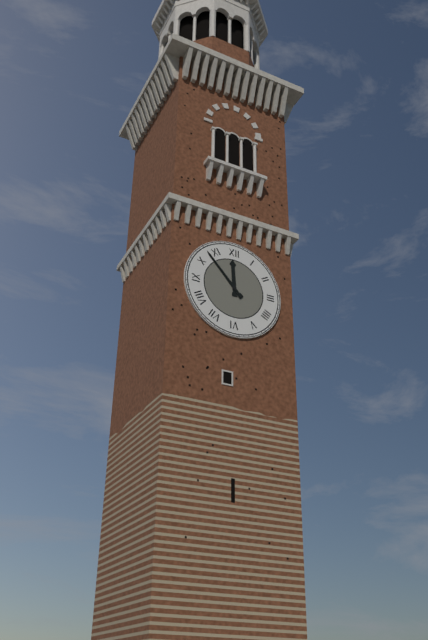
11,53
